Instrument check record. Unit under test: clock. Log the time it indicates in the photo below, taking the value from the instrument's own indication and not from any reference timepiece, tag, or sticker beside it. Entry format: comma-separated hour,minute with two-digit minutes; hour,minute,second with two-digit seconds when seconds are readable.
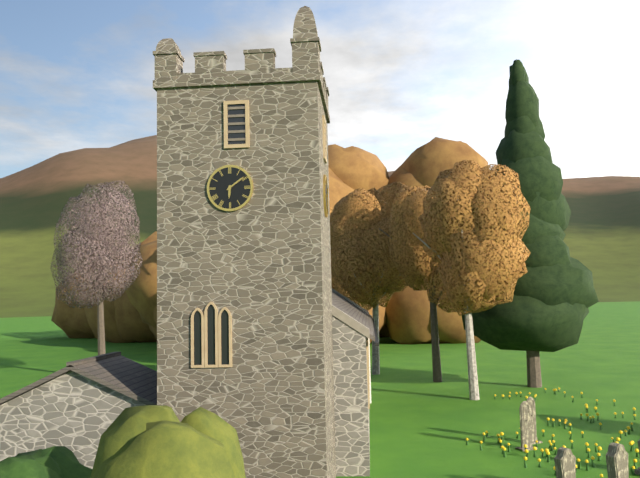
6,09
